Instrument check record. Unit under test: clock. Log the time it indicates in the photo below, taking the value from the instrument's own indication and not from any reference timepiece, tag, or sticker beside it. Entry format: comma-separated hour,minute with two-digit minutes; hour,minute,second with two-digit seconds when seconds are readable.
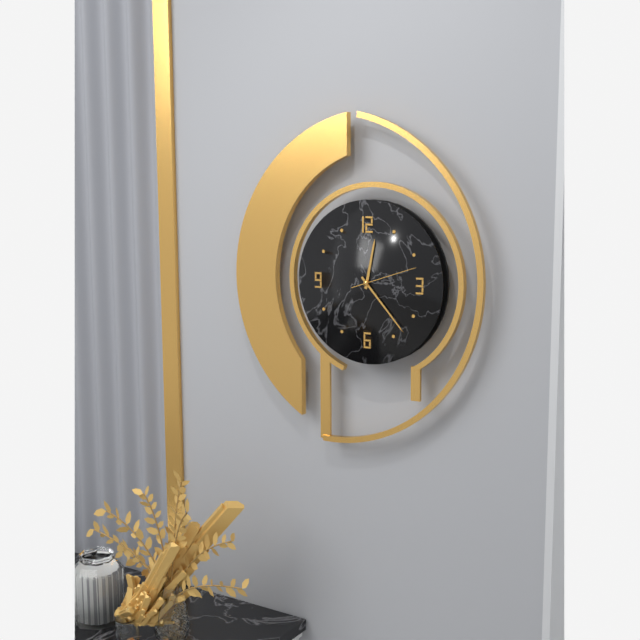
12,23,12
